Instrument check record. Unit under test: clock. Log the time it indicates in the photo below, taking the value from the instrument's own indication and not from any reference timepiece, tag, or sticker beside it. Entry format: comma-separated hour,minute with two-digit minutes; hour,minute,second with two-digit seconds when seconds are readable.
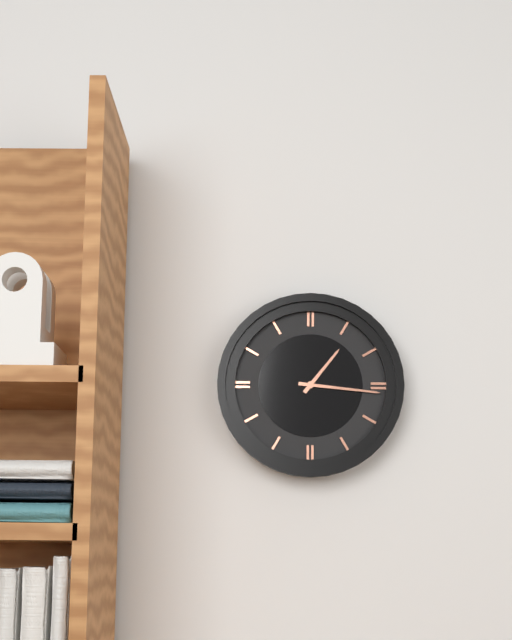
1,16
